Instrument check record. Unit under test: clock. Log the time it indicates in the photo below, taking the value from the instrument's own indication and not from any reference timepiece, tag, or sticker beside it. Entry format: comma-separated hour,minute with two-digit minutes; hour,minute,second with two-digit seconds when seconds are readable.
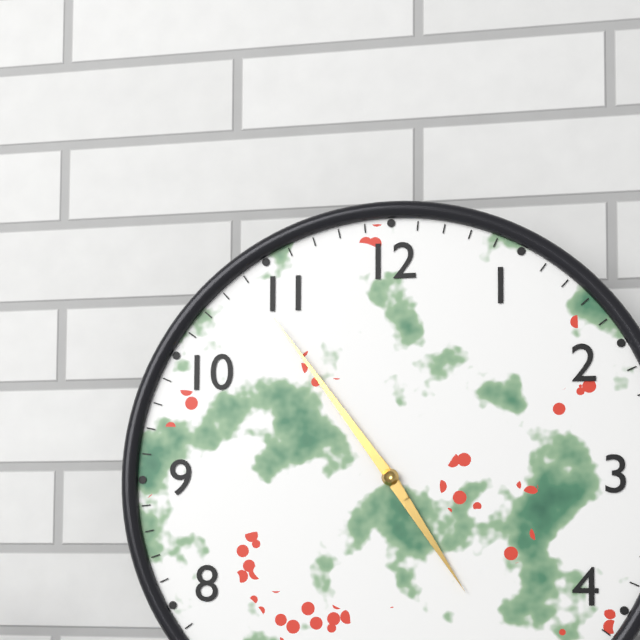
4,54
